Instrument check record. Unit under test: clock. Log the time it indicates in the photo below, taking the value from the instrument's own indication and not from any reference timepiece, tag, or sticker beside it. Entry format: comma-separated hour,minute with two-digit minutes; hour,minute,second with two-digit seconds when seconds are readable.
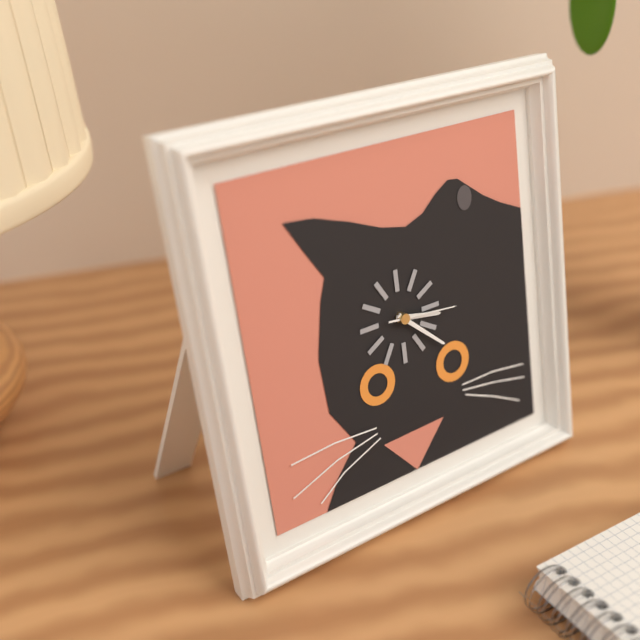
3,22,16
